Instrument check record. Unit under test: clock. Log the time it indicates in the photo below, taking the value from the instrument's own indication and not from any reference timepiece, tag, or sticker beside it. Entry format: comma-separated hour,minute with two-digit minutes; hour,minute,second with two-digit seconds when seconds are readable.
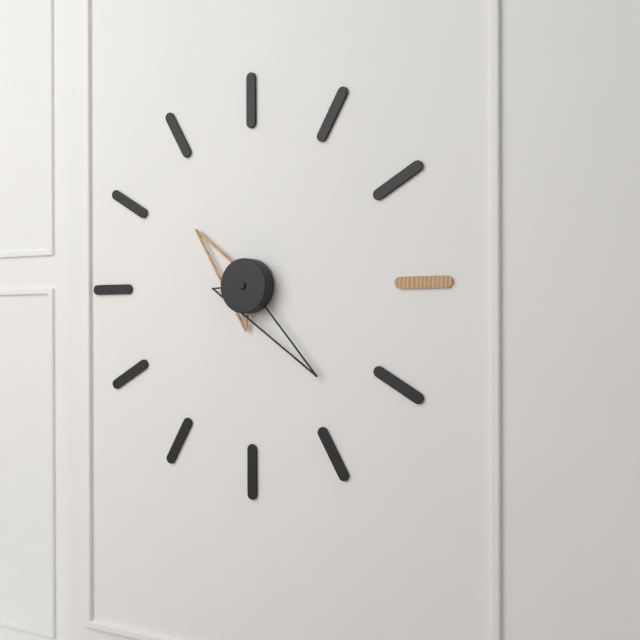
10,23
